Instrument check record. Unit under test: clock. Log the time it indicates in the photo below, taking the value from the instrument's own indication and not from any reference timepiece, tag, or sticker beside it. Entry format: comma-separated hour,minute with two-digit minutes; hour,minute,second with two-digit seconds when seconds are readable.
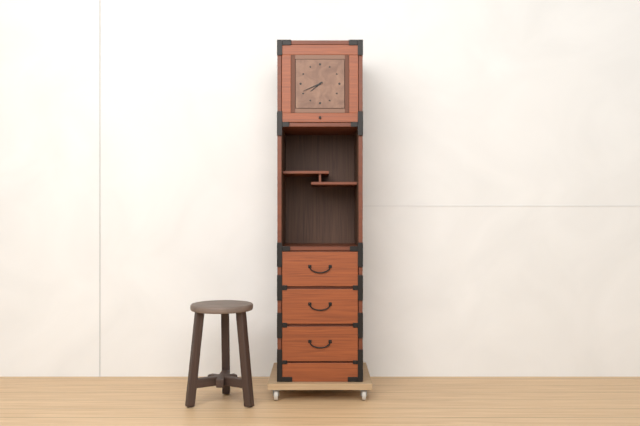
7,41
